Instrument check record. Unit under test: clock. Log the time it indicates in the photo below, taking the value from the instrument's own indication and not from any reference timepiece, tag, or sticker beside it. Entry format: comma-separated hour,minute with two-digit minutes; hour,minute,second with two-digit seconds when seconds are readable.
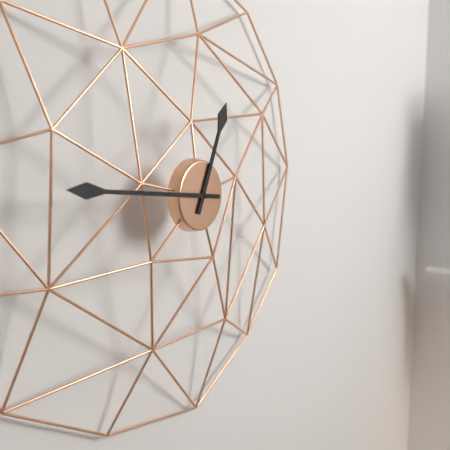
12,46
